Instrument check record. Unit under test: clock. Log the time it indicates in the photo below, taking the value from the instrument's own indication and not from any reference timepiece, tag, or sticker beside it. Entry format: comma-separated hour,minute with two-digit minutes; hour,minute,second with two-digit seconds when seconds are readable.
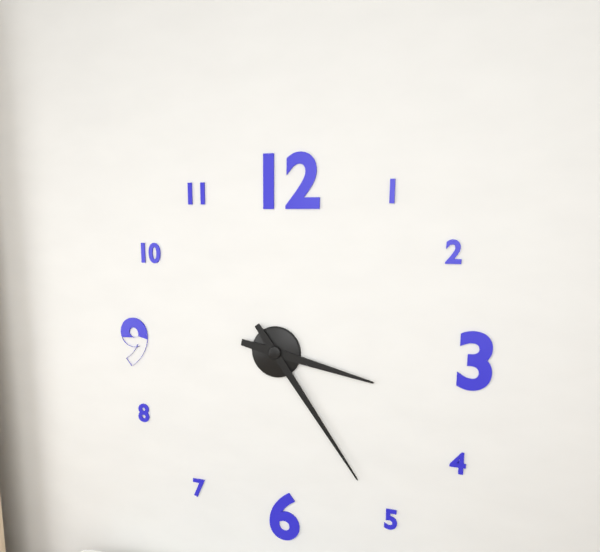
3,24
